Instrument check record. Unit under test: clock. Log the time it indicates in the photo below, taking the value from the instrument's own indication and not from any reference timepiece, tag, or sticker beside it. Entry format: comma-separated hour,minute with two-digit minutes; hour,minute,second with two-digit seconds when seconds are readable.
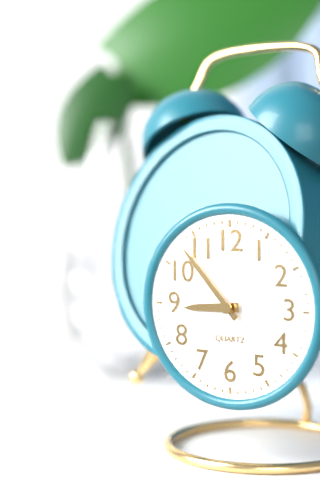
8,53
